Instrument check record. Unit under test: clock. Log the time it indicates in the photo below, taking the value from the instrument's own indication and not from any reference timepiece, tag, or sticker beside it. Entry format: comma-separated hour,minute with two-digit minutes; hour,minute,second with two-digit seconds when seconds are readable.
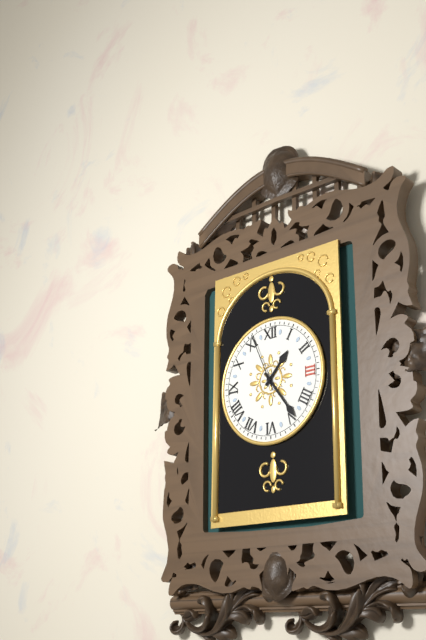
1,24,56
